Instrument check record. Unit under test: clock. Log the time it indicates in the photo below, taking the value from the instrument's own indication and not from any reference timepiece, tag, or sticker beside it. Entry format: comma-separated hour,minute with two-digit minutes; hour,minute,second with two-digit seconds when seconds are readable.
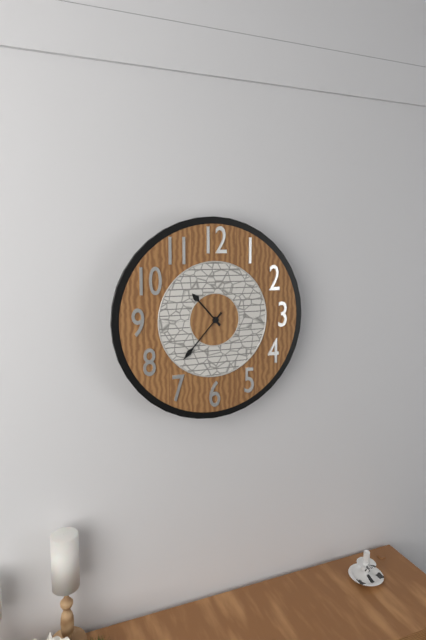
10,37
